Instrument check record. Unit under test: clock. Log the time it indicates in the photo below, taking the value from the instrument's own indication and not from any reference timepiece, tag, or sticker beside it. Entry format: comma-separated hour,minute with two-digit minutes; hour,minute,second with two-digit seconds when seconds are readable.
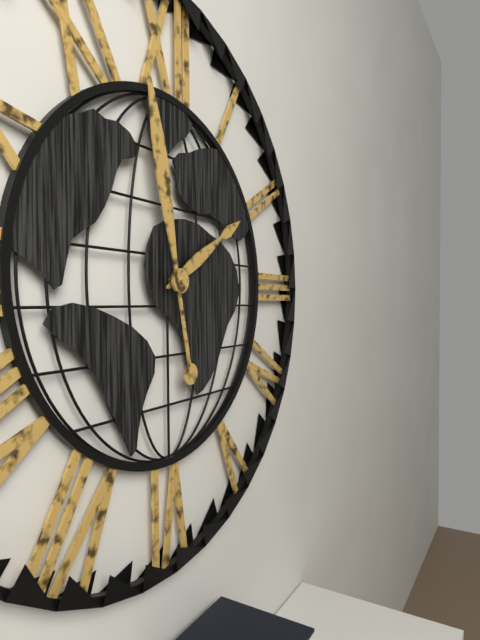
1,58
